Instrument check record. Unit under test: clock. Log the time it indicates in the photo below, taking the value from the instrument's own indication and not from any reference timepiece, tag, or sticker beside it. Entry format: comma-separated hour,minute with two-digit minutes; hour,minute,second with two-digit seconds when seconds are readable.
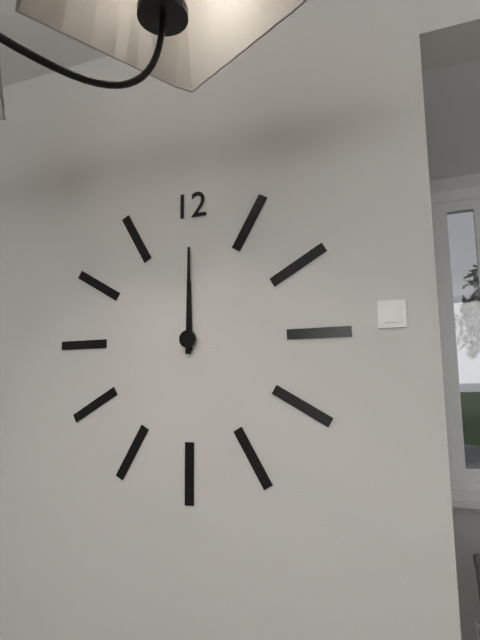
12,00
